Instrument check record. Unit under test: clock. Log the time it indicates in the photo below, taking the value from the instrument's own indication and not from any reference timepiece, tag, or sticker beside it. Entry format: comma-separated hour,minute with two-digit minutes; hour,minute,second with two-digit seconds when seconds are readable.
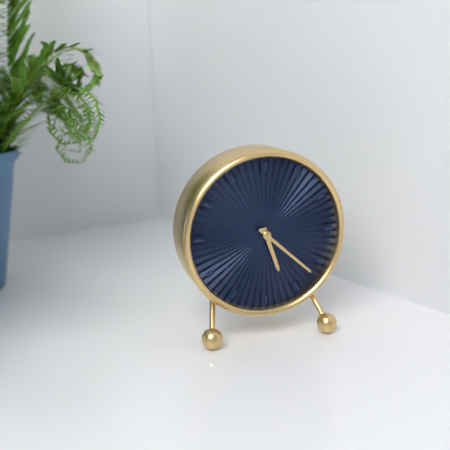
5,22
